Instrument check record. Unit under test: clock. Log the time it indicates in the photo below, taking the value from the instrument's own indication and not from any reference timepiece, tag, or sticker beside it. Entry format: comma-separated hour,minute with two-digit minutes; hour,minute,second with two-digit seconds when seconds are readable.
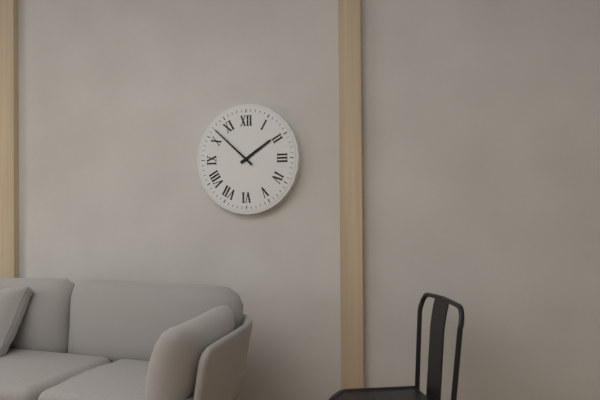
1,52
